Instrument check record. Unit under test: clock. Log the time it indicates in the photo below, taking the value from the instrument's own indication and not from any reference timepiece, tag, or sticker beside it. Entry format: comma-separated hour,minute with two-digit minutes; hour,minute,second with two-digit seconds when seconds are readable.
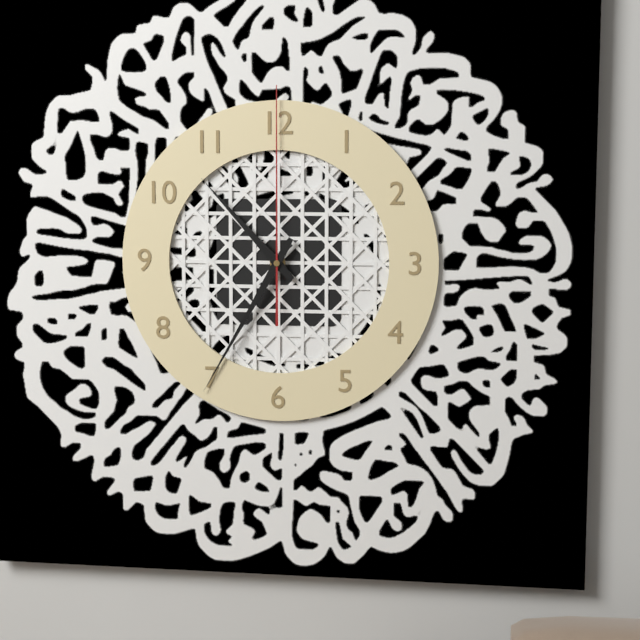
10,35,00
